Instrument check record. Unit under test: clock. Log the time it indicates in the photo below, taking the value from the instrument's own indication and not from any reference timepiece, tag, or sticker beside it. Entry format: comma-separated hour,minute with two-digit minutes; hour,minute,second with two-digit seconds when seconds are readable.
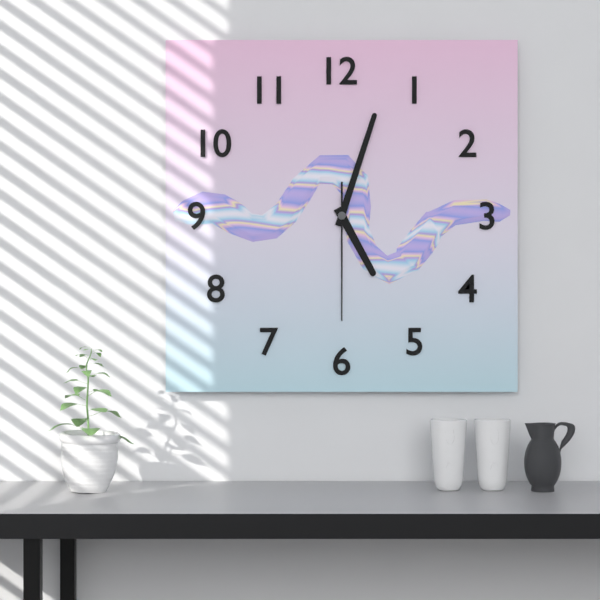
5,03,30
